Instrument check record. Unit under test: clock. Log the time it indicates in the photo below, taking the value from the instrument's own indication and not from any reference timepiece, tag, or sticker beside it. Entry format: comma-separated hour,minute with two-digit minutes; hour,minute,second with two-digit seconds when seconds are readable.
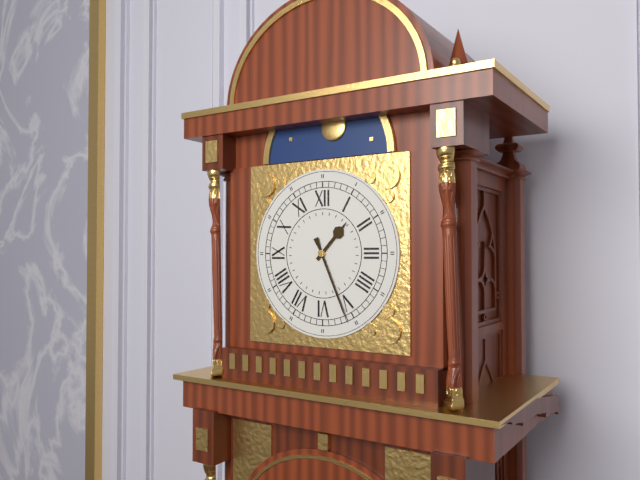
1,26
